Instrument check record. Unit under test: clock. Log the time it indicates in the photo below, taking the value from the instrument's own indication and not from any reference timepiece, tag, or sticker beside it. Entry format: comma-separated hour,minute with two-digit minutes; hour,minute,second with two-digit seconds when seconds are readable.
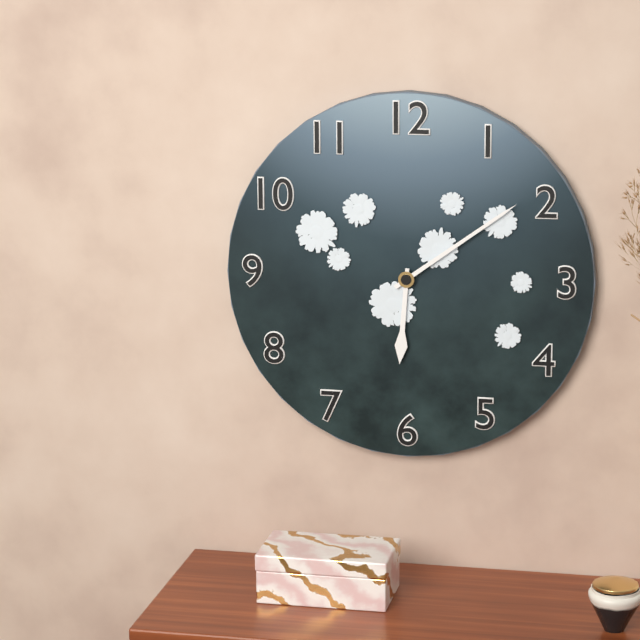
6,09
